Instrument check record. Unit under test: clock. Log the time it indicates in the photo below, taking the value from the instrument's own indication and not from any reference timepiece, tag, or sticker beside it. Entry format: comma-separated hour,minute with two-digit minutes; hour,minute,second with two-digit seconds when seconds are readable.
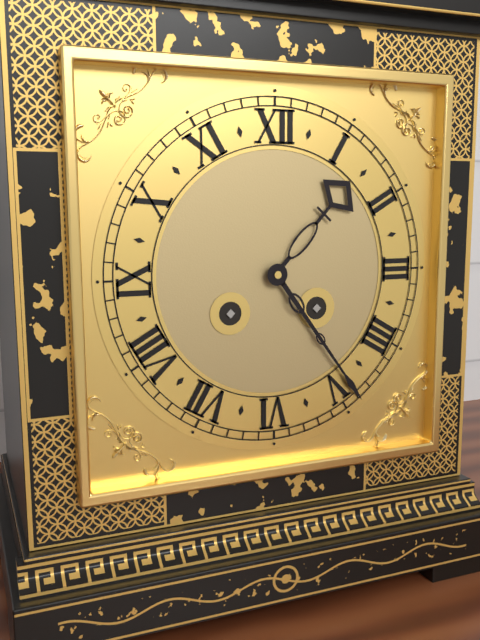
1,24
